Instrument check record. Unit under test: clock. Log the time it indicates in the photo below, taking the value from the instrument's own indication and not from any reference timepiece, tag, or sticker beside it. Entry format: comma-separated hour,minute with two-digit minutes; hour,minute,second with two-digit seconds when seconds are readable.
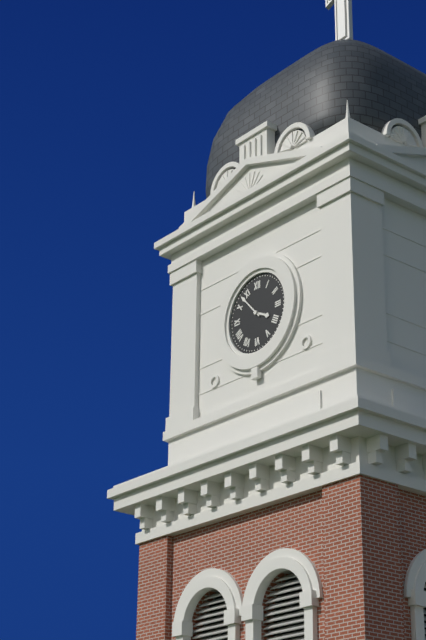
3,53
